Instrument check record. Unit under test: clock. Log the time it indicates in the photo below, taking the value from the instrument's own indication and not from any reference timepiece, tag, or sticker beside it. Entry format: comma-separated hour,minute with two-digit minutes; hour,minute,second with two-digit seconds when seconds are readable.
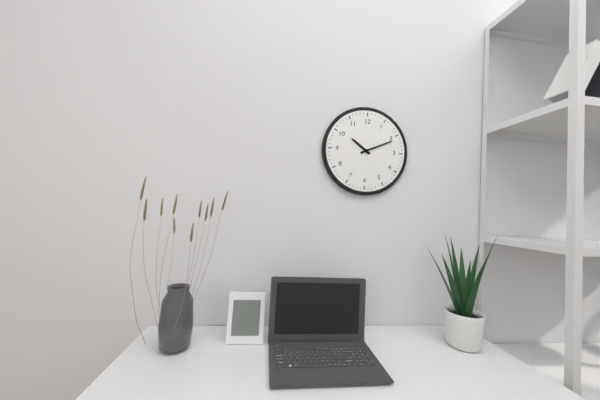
10,11
